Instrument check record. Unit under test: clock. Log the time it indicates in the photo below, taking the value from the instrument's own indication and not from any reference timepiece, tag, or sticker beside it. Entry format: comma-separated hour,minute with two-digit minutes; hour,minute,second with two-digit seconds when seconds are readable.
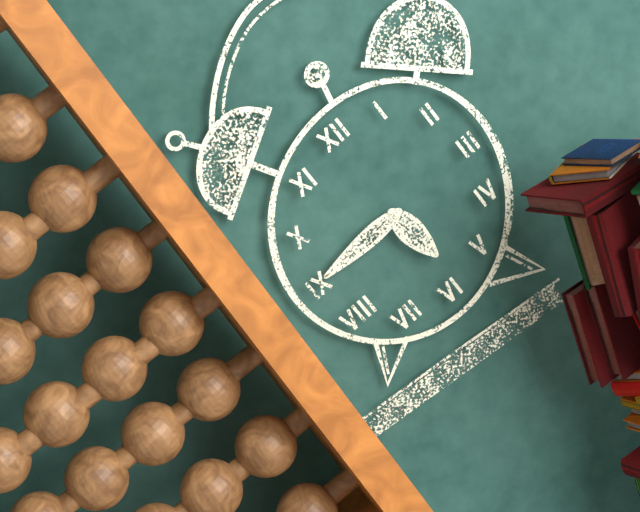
5,45
